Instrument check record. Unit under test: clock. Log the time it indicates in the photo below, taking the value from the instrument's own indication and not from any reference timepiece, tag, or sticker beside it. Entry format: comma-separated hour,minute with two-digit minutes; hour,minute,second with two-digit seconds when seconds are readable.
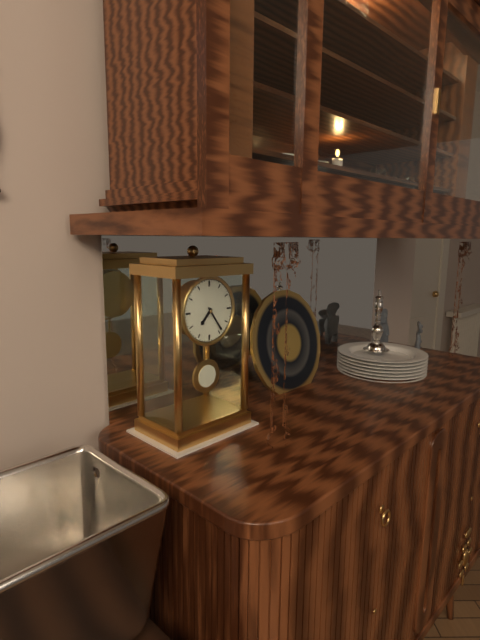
7,24
